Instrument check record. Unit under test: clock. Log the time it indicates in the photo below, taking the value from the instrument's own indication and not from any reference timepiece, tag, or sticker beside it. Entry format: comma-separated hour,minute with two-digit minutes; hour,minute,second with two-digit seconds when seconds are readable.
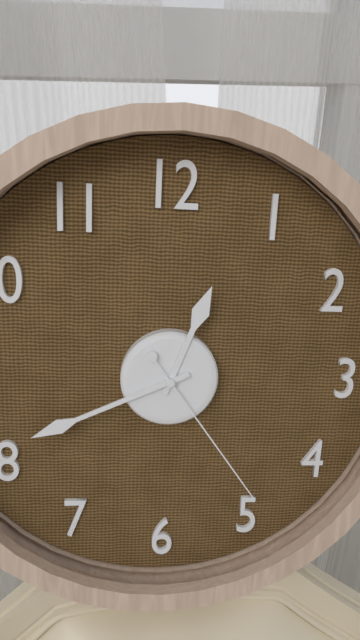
12,41,24
